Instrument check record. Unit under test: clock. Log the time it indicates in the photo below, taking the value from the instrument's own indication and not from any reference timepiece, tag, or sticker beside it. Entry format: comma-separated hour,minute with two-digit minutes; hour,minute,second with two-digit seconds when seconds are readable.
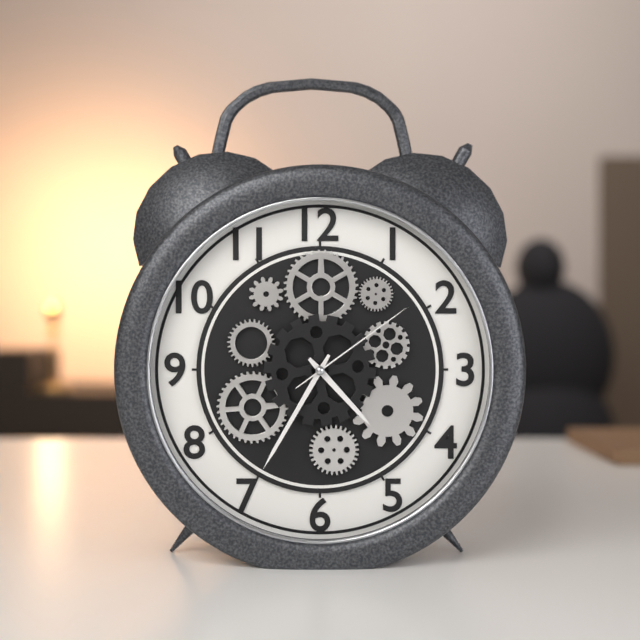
4,35,09
